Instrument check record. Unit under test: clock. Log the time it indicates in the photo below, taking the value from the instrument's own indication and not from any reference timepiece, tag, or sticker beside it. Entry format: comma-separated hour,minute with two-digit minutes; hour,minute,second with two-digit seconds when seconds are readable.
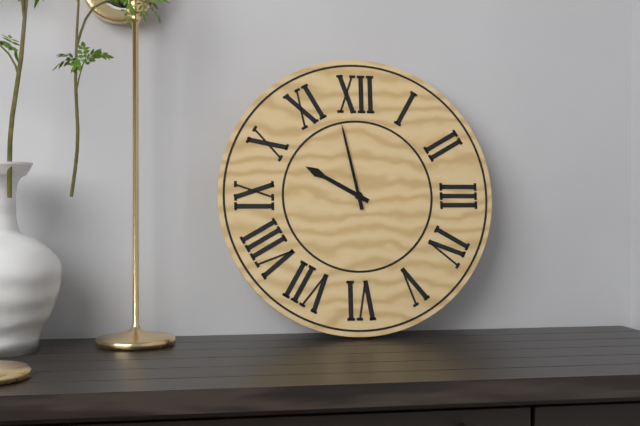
9,58
